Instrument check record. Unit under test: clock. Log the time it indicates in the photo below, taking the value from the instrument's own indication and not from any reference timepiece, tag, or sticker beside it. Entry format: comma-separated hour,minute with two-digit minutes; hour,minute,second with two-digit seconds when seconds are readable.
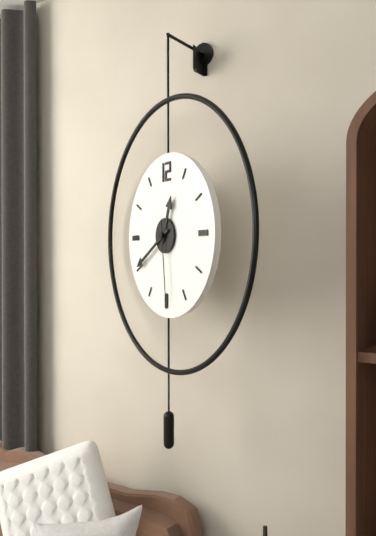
12,40,29
